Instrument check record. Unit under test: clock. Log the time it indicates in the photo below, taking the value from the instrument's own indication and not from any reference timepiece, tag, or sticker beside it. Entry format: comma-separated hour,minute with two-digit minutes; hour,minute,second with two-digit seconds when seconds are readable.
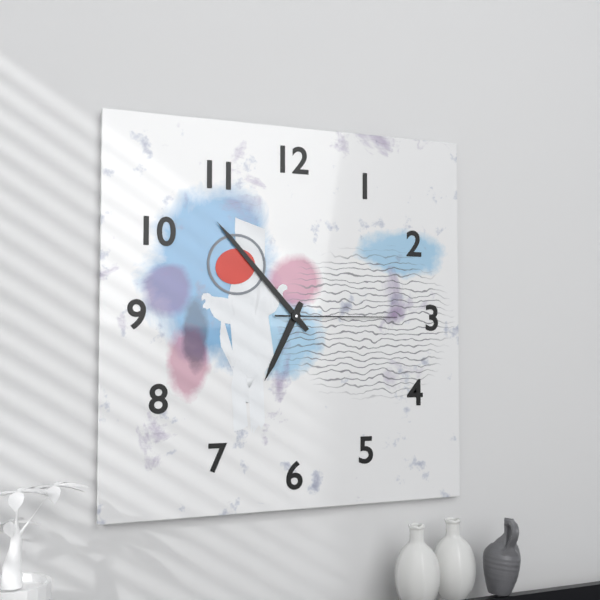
6,53,15
